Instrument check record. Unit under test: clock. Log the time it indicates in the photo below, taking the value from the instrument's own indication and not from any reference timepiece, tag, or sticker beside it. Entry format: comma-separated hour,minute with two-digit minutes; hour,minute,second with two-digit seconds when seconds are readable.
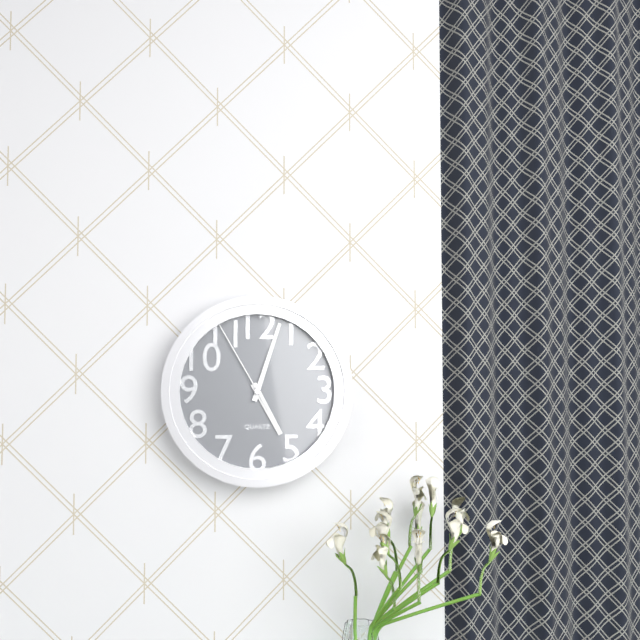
5,03,55
